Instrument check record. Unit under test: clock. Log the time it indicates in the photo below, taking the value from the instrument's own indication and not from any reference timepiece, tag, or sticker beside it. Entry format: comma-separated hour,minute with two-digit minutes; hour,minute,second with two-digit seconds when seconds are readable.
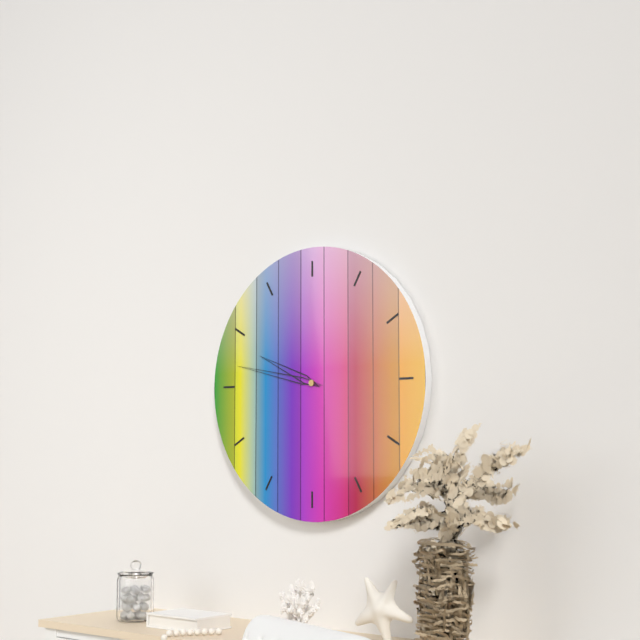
9,47
